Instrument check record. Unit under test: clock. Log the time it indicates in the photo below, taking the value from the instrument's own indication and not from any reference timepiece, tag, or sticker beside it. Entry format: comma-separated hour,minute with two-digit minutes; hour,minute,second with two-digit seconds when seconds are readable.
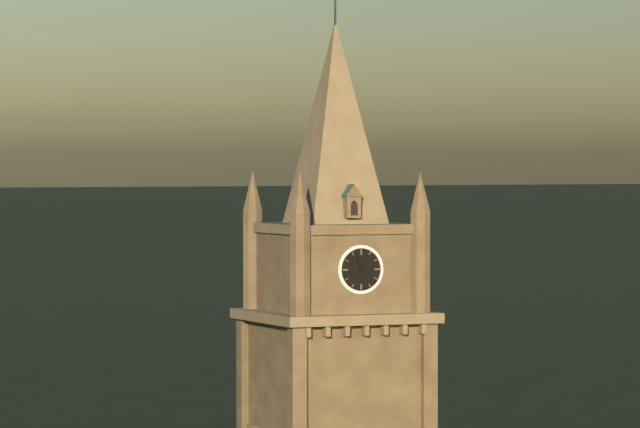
12,57
